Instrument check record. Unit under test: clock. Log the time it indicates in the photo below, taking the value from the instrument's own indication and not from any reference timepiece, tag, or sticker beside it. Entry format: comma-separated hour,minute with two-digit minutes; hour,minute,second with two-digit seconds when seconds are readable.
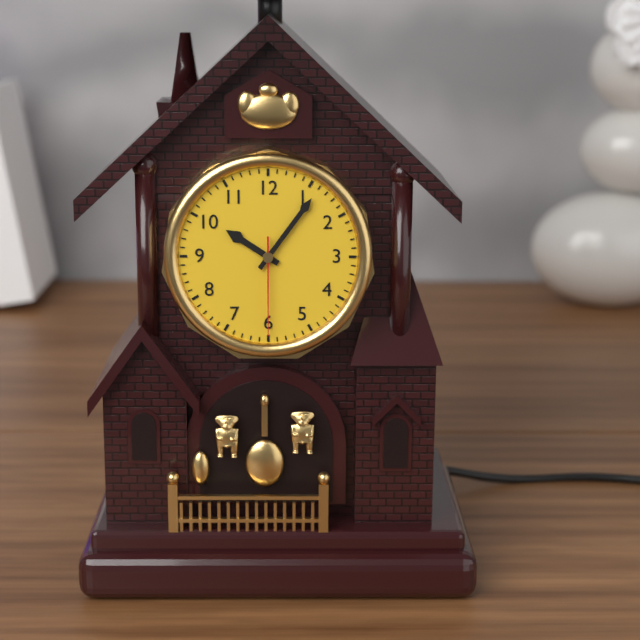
10,06,30
